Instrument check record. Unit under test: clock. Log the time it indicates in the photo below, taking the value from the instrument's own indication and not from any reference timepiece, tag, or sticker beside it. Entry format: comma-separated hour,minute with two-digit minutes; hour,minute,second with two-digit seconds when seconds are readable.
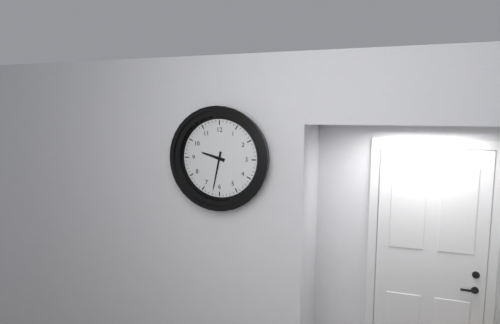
9,32
